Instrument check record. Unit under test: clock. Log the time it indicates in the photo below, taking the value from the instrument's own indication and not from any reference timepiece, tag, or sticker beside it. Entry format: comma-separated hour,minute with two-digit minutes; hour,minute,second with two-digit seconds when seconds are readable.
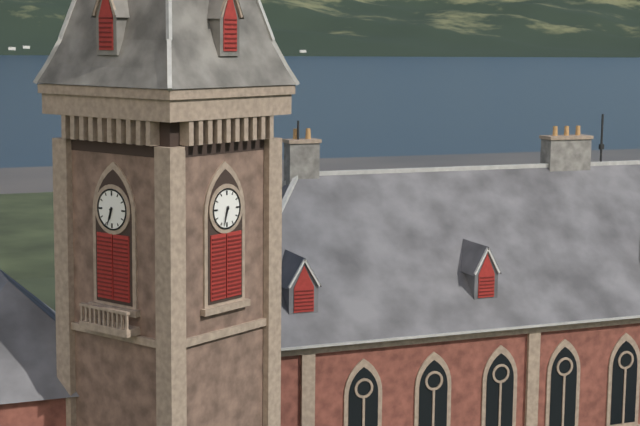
6,33
